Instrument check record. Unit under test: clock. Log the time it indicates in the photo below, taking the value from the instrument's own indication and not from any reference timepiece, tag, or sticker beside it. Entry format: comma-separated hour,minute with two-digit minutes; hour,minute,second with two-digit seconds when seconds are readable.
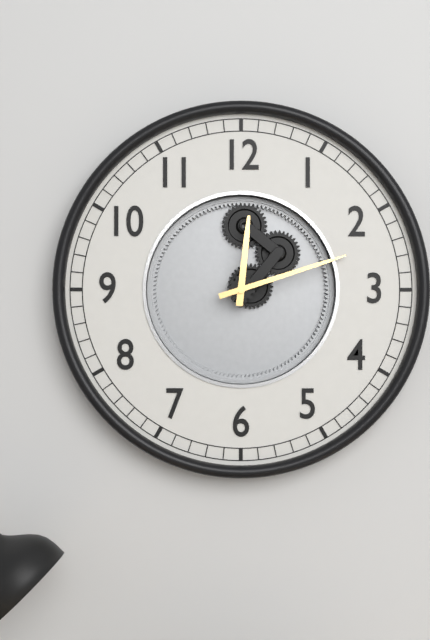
12,12
